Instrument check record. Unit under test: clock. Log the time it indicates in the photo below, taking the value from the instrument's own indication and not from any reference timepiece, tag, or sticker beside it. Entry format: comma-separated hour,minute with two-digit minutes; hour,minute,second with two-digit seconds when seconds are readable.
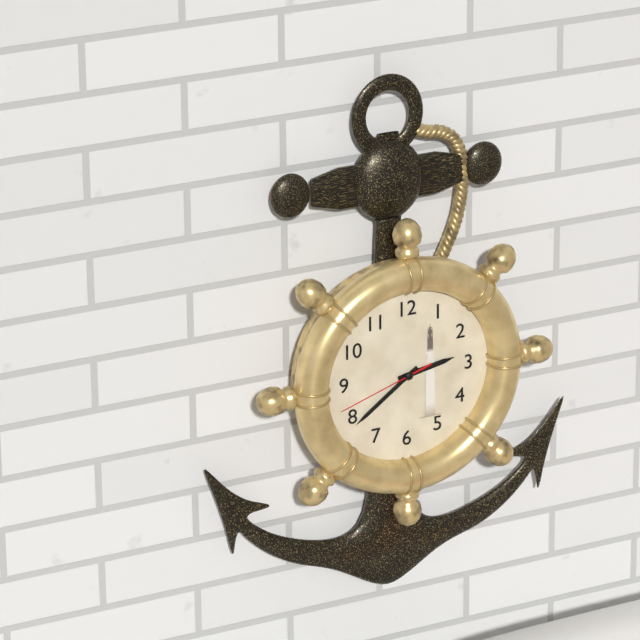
2,39,42
